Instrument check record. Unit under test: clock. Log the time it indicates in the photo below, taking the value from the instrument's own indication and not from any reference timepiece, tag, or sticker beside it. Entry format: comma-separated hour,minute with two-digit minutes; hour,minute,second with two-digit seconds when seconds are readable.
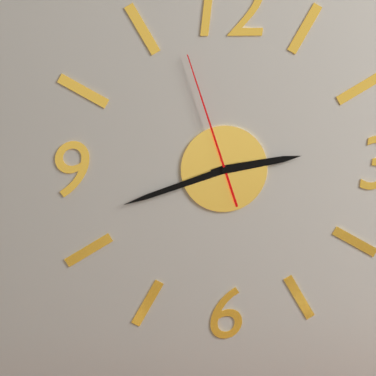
2,42,57
